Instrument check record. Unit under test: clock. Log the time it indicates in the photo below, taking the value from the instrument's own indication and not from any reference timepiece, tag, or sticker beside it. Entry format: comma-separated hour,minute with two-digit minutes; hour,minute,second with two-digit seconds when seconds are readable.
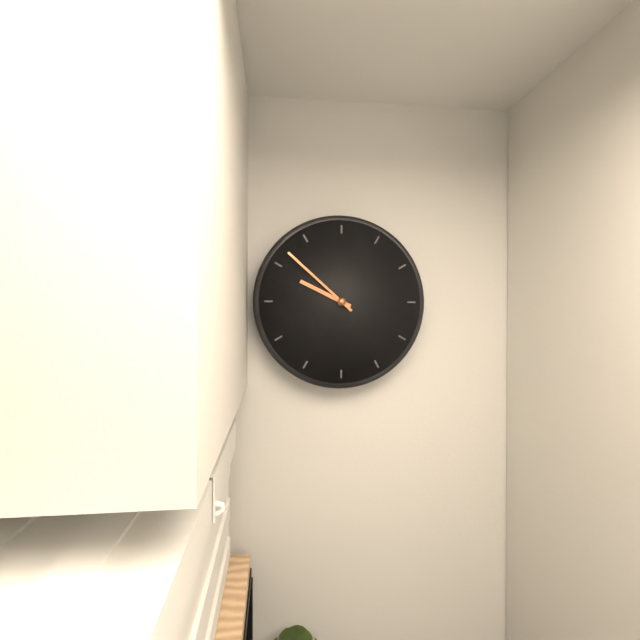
9,52
